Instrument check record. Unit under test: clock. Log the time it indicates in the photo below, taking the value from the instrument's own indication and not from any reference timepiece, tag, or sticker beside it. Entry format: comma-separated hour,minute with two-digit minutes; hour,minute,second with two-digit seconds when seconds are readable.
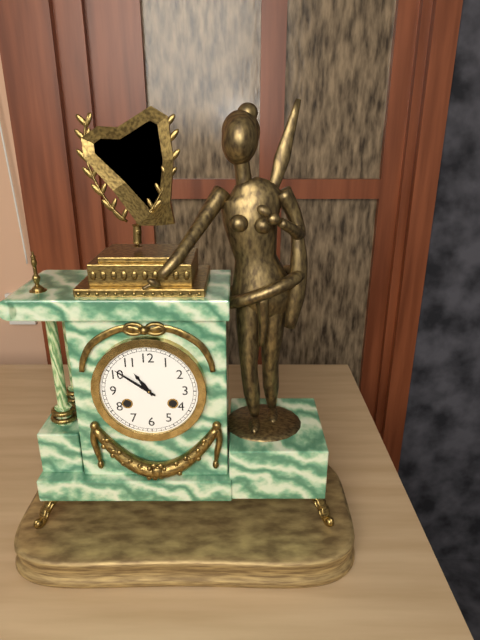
10,51
